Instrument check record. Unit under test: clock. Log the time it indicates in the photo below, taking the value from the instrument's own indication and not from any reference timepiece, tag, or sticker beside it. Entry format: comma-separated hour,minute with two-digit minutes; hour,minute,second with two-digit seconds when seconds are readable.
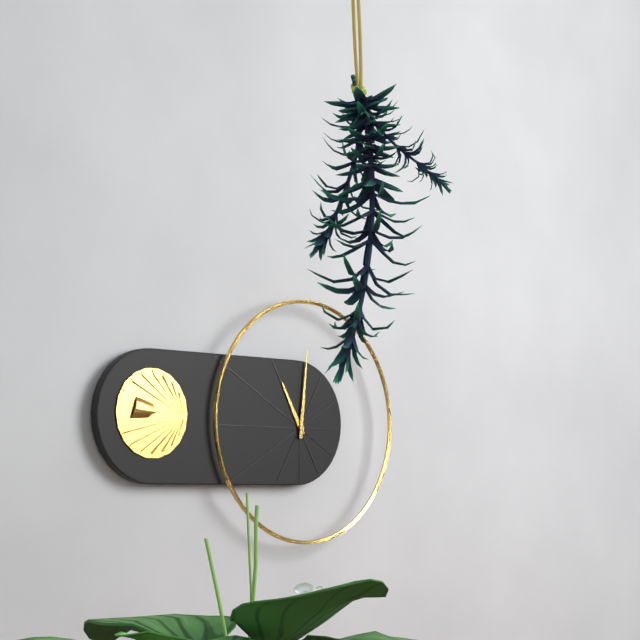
11,01
